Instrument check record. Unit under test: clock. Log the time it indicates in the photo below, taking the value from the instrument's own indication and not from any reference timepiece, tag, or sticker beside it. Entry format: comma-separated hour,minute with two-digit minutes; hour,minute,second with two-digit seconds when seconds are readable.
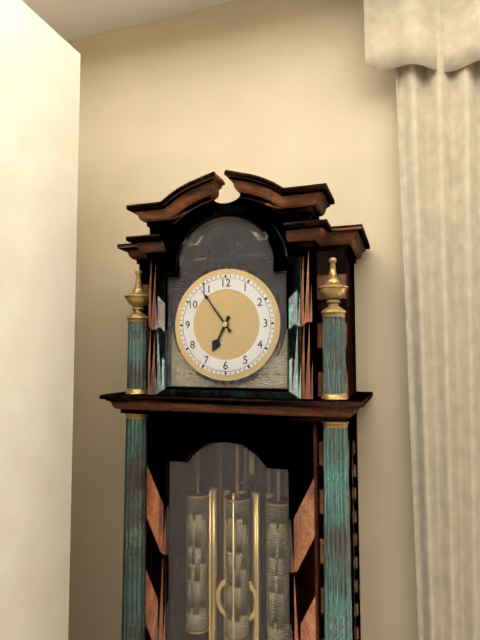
6,54
